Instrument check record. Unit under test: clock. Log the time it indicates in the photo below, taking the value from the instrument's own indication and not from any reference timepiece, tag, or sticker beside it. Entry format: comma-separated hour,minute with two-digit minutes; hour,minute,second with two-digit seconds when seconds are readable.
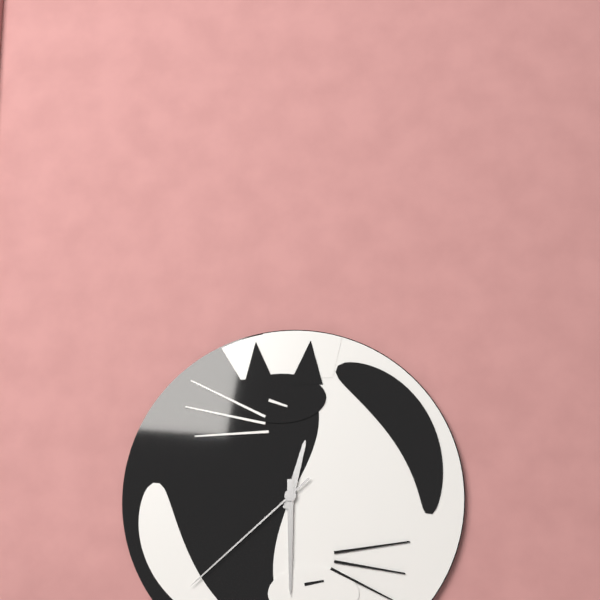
12,30,38
